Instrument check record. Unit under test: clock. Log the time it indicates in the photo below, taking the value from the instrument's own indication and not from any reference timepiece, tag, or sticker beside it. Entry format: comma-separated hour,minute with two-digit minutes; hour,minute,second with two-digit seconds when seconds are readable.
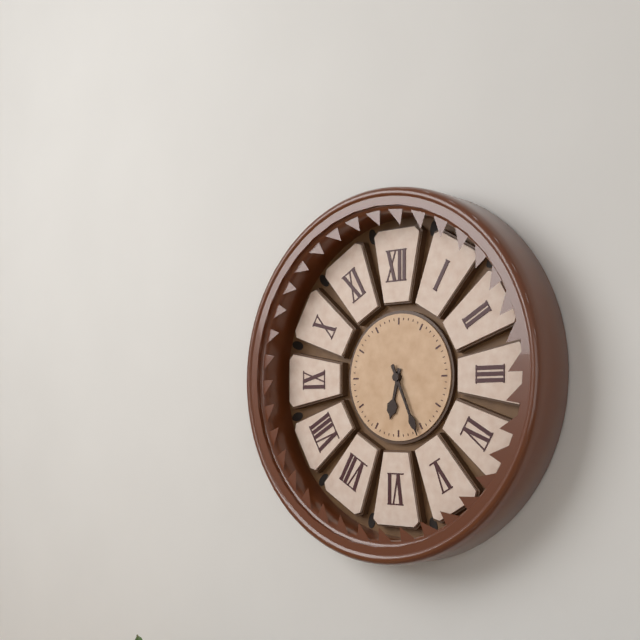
6,26
